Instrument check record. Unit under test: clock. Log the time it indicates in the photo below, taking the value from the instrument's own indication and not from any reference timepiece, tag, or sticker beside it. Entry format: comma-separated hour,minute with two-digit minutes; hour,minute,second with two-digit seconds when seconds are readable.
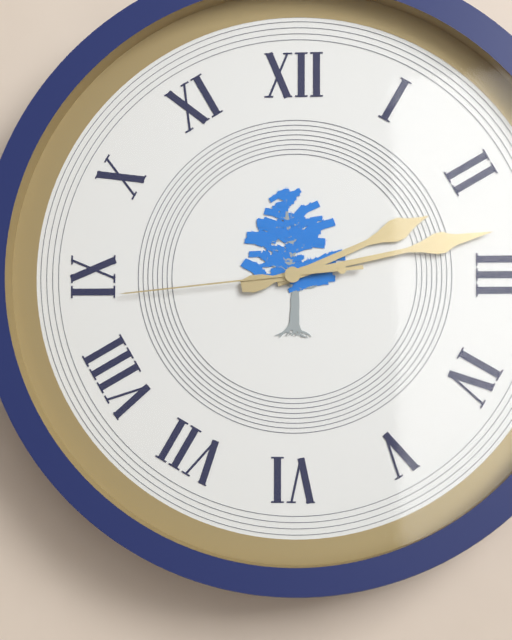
2,13,44
